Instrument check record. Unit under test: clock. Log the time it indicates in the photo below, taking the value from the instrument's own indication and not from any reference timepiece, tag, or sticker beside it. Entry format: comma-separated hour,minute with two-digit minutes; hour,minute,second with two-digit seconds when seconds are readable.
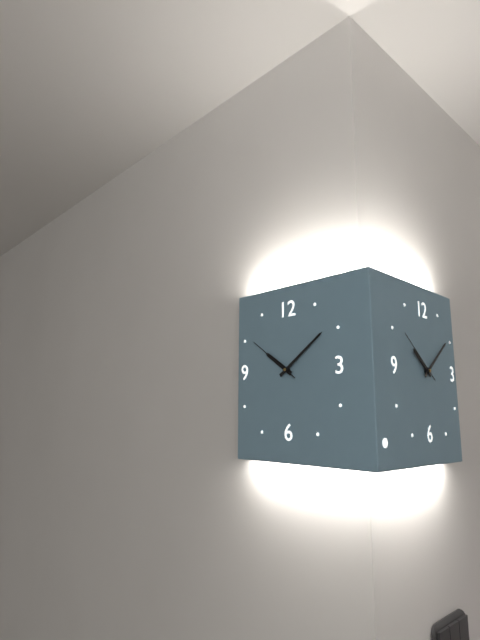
10,09,51
